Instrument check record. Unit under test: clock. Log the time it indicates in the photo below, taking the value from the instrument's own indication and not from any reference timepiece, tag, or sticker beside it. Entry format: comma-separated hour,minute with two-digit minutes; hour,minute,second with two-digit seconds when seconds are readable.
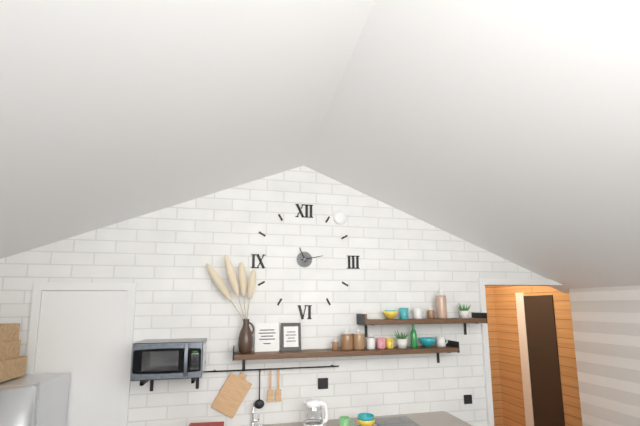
11,13
